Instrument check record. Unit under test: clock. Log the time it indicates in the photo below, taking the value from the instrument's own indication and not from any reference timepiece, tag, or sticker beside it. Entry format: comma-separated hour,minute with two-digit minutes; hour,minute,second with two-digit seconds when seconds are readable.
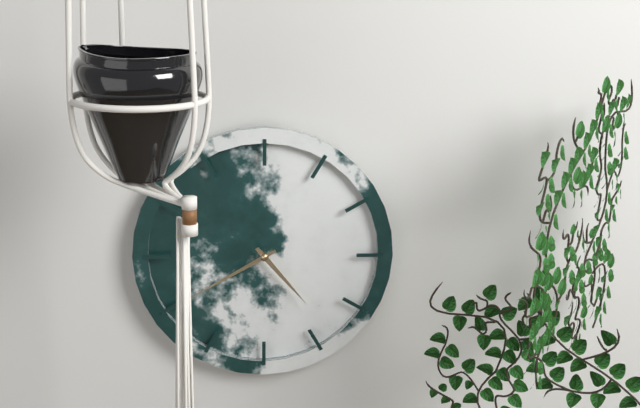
4,40
